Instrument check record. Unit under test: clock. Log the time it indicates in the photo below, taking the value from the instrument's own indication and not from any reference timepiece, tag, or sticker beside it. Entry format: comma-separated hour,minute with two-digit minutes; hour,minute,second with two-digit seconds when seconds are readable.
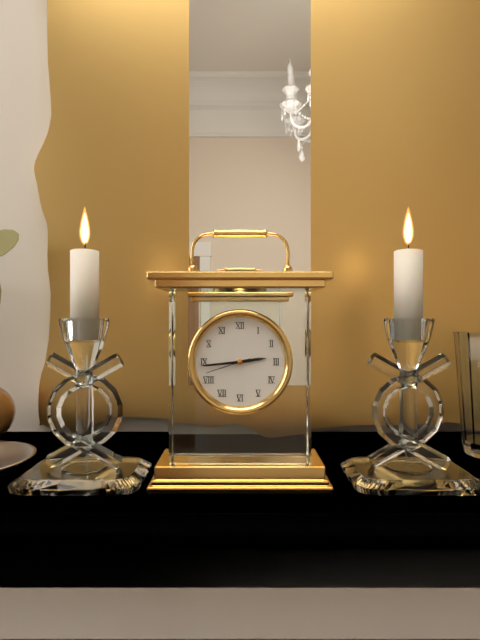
2,44
